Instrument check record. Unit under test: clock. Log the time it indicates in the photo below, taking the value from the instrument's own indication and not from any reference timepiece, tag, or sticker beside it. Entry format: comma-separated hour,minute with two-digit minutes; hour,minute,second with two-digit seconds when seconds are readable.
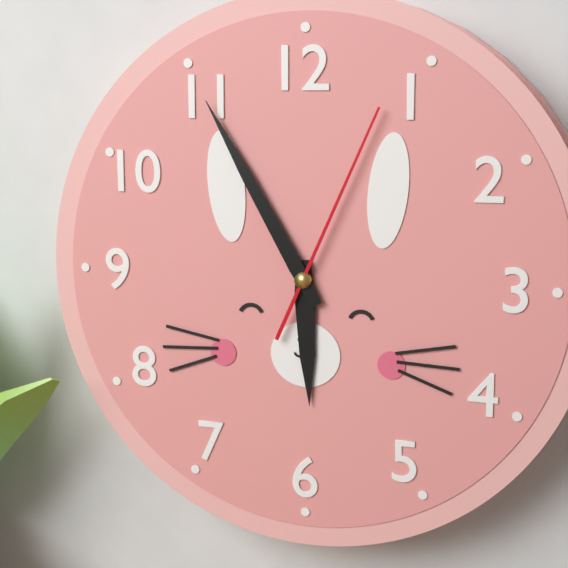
5,55,04
